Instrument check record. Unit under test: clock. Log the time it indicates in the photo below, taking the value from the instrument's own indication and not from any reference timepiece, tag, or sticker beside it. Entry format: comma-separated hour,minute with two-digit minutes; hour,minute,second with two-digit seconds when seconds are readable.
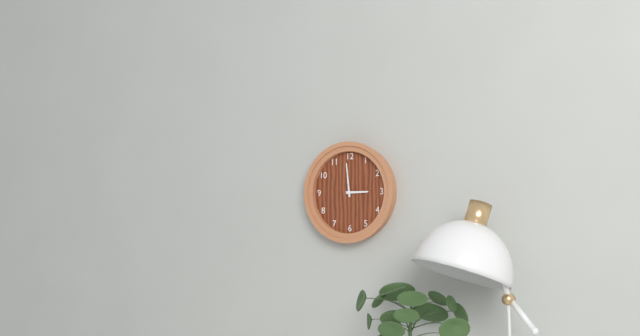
2,59
